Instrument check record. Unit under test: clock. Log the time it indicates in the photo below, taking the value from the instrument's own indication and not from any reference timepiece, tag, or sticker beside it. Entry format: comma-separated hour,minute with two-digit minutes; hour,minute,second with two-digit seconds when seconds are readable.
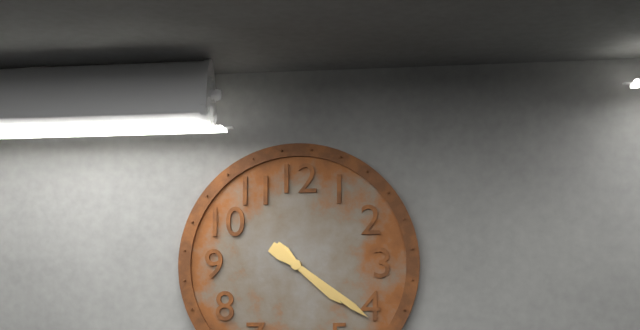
4,21
